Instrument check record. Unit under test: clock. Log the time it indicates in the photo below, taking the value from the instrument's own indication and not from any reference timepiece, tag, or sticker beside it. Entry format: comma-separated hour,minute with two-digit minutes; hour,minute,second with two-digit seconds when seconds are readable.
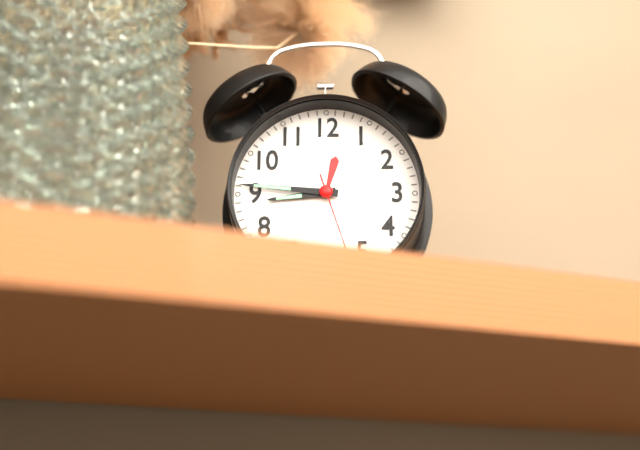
8,46
